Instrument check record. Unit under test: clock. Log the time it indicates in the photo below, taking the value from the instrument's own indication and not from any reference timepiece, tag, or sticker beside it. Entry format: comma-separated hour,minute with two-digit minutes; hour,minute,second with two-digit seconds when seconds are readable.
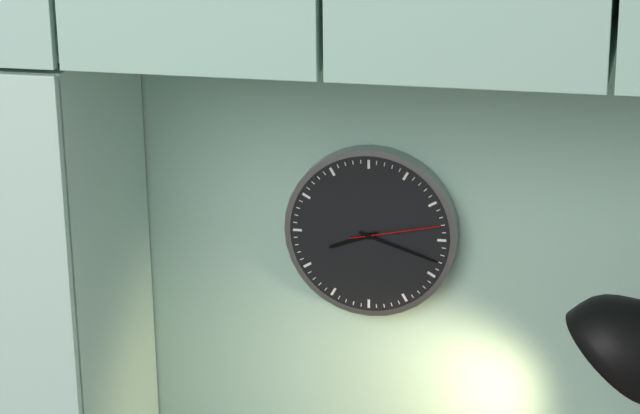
8,18,13
